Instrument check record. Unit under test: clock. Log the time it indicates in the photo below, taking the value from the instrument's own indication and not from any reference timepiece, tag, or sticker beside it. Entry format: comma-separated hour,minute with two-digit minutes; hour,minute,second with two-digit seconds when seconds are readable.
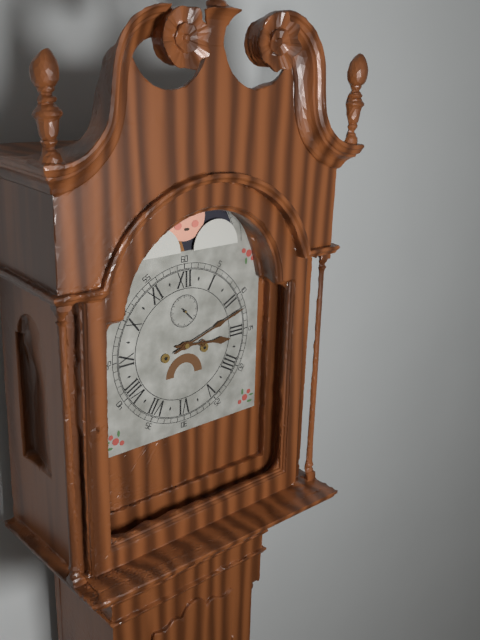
3,12
